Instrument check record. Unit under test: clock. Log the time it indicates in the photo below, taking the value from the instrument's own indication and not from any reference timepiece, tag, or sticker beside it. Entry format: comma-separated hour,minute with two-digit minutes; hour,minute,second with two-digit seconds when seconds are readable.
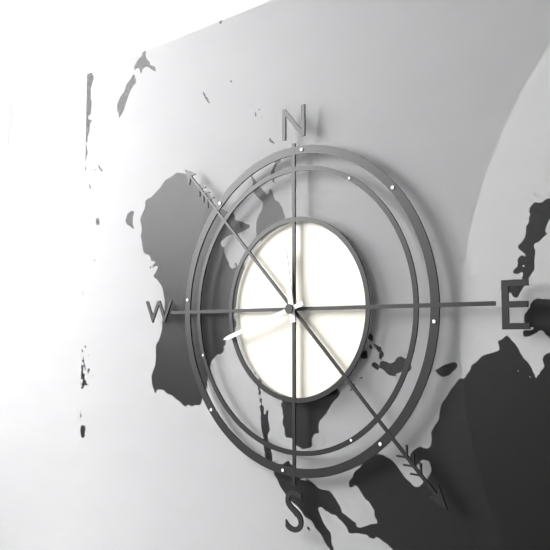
11,42
